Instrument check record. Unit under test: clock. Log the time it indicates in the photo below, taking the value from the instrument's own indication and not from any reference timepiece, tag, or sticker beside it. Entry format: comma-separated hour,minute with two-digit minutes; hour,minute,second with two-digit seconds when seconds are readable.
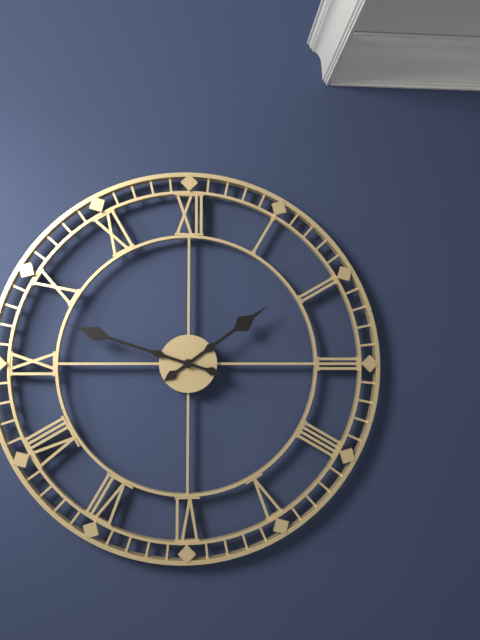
1,48
